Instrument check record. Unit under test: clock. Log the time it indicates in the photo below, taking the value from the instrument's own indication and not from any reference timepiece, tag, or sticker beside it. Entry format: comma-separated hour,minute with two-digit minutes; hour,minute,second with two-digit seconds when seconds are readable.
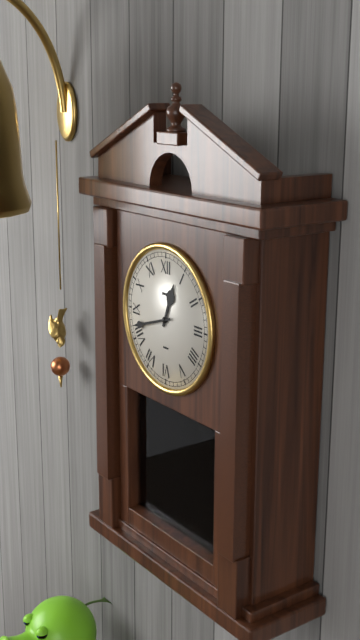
12,42
